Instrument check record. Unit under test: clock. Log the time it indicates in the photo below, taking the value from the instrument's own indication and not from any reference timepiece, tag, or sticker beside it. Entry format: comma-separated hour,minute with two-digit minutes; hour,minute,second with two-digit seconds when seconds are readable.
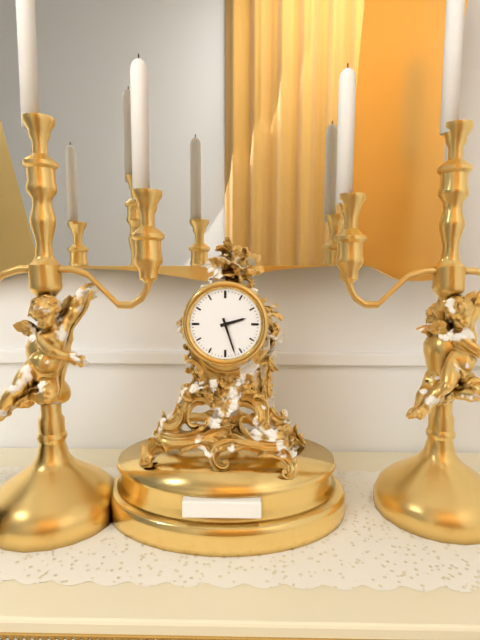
2,27
